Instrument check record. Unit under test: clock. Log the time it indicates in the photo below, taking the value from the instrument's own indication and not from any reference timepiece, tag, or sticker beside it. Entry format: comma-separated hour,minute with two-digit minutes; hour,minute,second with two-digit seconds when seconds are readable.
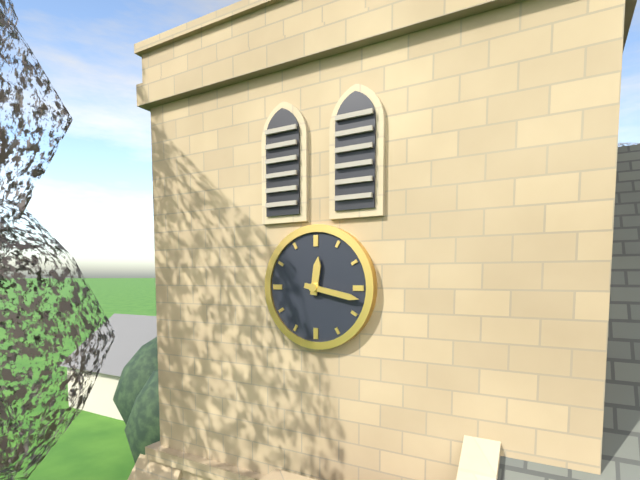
12,17
